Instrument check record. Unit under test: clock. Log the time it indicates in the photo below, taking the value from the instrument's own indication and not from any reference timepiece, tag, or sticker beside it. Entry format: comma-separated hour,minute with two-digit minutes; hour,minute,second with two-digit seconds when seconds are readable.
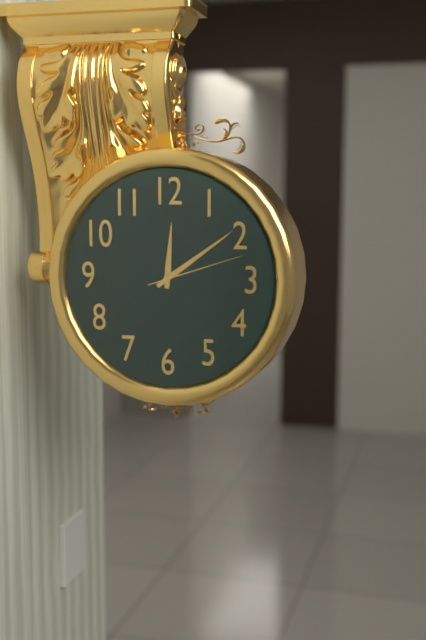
12,09,12
